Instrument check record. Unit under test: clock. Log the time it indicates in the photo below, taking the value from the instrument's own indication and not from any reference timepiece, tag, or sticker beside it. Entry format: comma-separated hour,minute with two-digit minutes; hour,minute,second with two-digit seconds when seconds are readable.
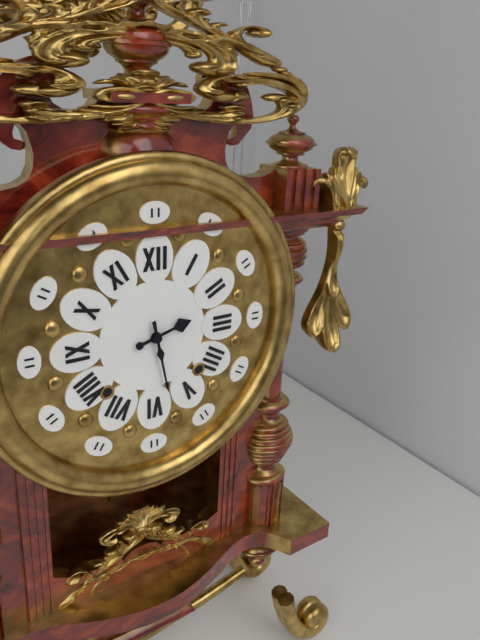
2,28
